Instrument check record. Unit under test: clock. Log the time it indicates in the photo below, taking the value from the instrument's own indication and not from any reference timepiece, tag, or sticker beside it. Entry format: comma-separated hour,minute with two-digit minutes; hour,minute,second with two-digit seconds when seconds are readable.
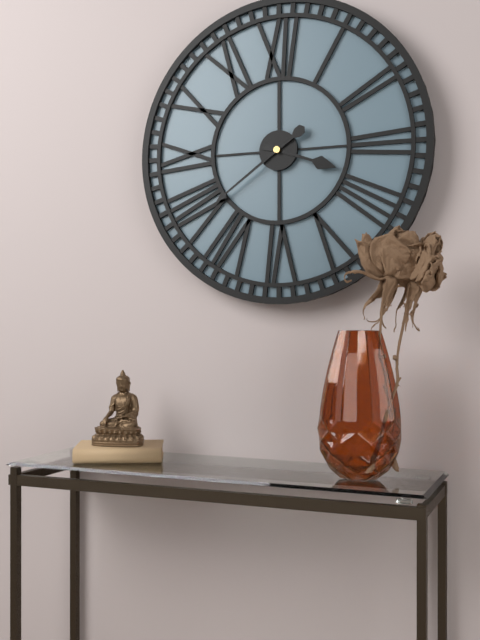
3,39
